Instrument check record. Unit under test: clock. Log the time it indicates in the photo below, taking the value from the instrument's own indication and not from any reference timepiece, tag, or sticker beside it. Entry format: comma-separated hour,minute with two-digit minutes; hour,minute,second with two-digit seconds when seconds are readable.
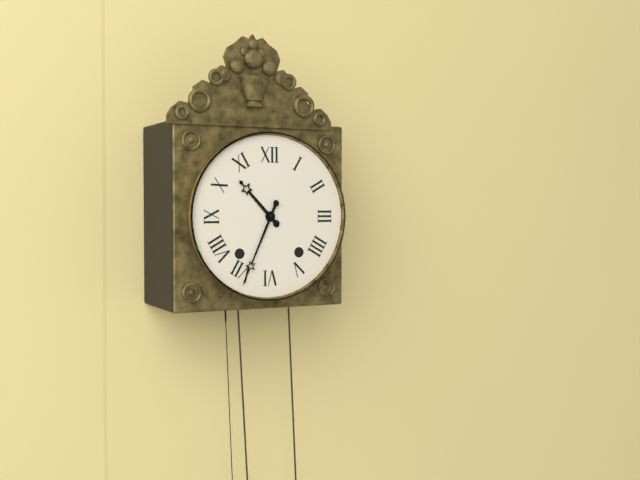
10,34
